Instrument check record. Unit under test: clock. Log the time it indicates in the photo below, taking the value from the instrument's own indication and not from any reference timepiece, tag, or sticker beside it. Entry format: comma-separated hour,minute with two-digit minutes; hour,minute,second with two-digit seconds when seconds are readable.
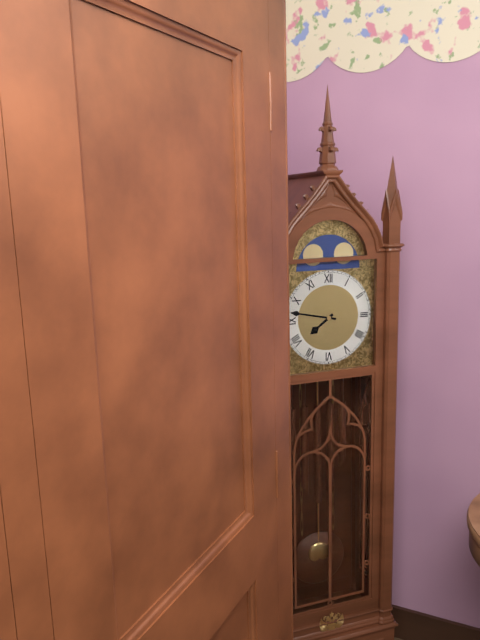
7,47
